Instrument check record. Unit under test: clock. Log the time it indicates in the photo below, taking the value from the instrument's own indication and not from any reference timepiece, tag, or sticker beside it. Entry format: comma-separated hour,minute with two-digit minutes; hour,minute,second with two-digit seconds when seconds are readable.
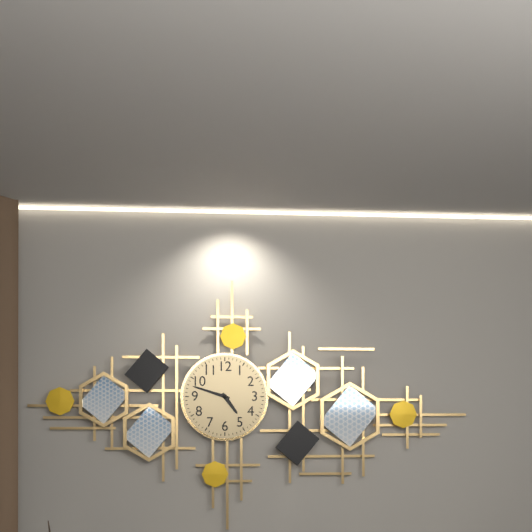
4,48
